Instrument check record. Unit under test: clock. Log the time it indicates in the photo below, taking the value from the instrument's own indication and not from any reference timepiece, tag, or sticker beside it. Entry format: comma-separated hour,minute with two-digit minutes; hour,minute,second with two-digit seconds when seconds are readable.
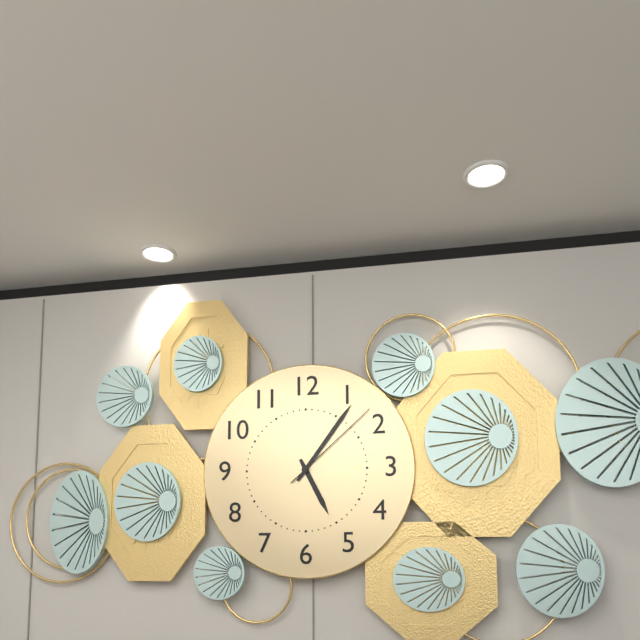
5,06,08
